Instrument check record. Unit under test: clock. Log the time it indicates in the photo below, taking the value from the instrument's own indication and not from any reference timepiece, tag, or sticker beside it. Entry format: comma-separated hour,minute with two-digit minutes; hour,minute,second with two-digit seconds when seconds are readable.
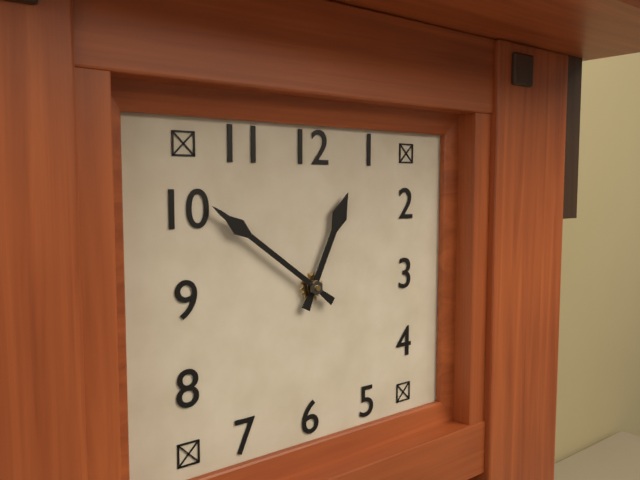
12,51
